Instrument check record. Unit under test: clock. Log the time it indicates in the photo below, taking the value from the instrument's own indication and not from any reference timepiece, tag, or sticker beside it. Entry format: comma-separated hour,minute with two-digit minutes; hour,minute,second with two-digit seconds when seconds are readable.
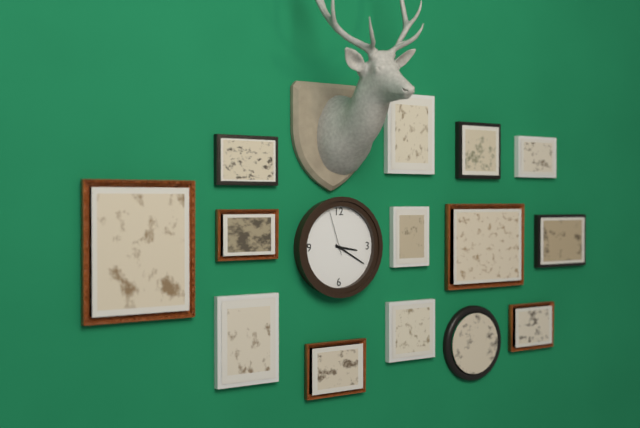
3,20
